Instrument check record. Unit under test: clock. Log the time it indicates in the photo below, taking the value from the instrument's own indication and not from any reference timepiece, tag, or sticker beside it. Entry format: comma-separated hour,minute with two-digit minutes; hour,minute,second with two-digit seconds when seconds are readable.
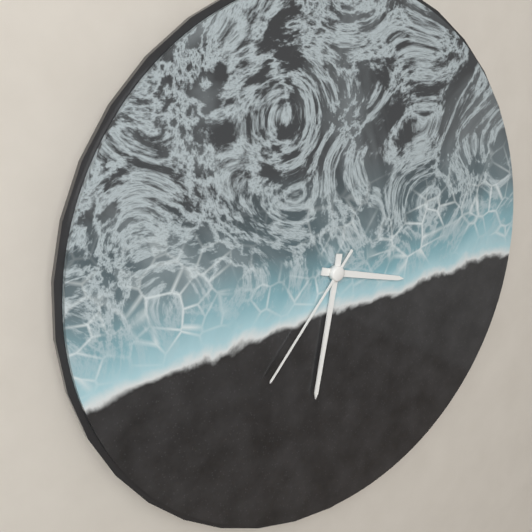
3,32,37
